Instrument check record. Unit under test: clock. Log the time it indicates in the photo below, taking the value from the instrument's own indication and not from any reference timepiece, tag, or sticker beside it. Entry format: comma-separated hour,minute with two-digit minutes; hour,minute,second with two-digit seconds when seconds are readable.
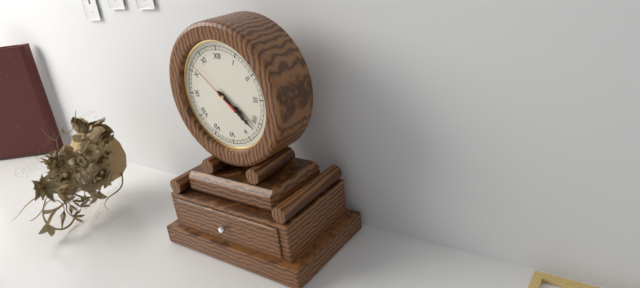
4,22,52
